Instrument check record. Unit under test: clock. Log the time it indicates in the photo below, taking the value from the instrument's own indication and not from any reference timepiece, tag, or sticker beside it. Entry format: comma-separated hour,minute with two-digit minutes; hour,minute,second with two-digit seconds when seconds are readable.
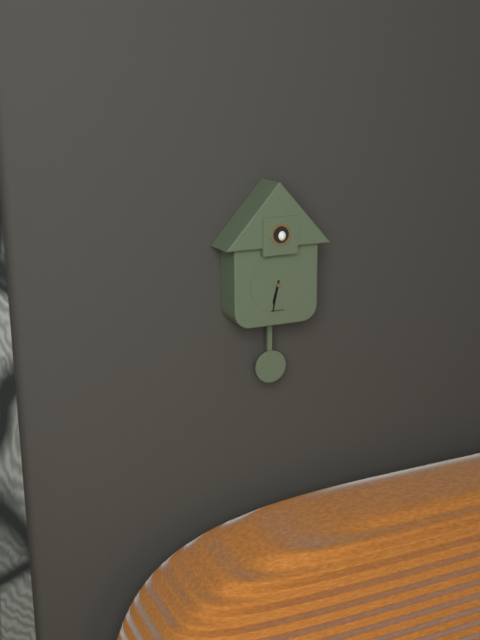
6,32
